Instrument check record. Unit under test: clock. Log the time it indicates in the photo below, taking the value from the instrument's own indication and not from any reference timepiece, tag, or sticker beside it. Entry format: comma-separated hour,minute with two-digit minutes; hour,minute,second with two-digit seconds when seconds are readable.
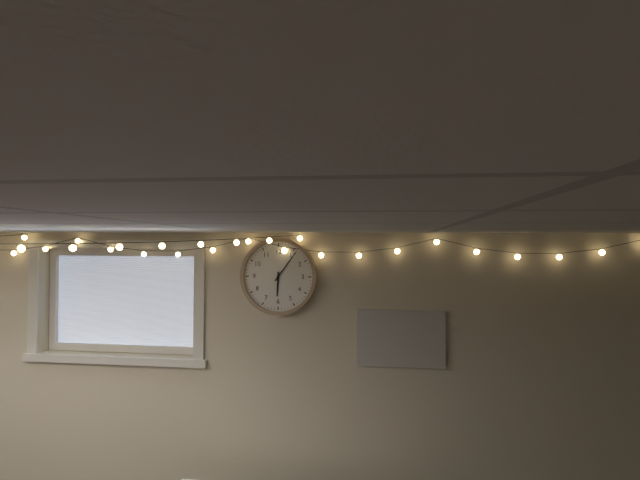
6,06
